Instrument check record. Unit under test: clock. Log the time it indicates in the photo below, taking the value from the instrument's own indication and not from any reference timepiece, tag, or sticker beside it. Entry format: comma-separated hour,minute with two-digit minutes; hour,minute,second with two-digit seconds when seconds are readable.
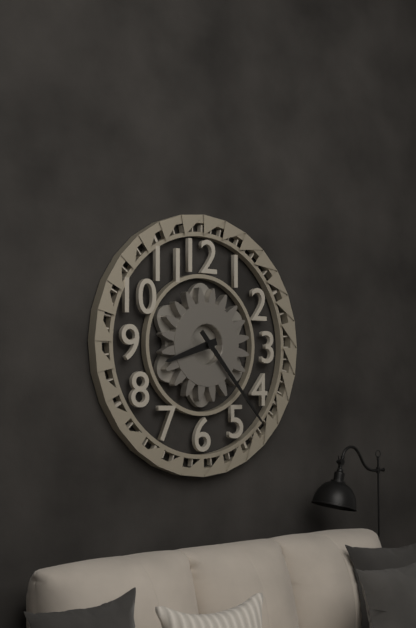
8,23
